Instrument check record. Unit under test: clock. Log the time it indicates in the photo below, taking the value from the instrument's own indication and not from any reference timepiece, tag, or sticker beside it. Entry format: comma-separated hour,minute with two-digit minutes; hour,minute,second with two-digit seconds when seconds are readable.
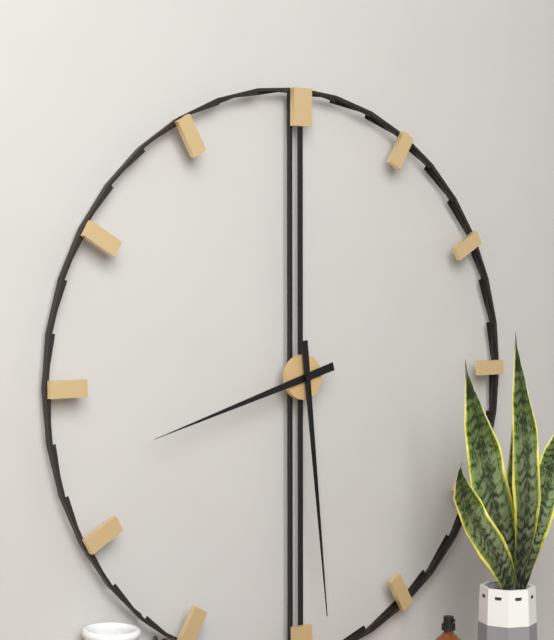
8,29
